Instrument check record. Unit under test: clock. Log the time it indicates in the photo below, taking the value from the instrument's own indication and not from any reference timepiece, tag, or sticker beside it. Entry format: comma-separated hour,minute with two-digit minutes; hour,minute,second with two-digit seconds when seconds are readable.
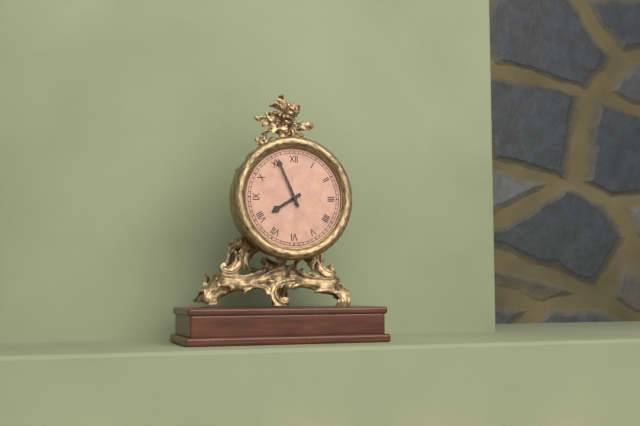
7,56
